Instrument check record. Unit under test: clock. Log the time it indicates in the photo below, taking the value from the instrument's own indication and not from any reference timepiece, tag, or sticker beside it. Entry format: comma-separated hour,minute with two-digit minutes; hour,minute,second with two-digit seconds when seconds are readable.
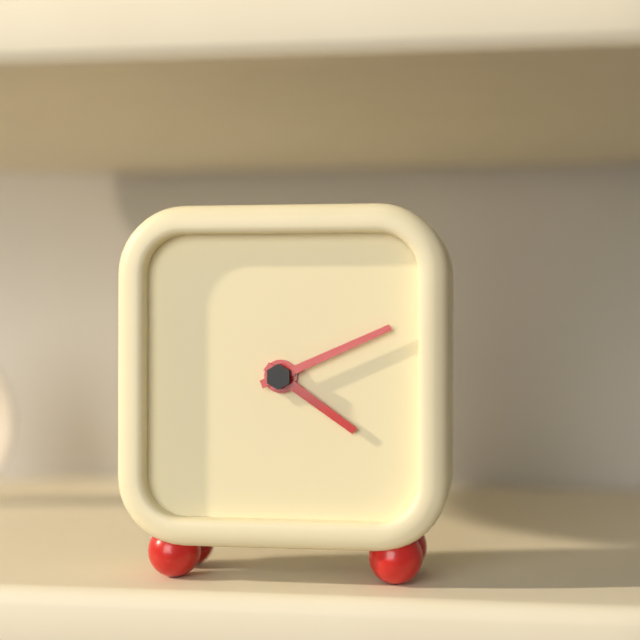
4,11
